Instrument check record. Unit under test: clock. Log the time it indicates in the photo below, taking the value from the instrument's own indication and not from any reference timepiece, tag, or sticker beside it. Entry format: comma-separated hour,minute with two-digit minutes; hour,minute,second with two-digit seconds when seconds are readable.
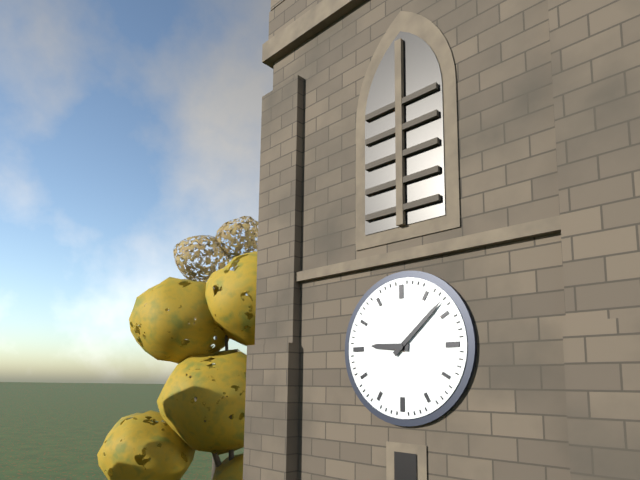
9,08
